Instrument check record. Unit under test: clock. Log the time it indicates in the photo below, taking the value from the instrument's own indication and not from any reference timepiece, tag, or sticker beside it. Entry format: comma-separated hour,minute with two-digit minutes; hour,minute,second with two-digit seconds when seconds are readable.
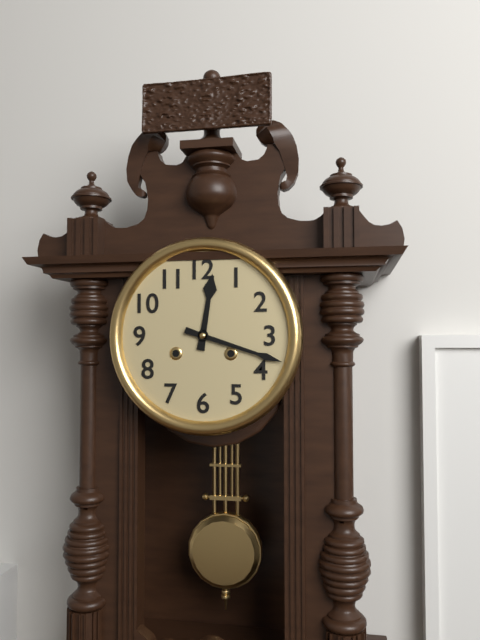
12,18
